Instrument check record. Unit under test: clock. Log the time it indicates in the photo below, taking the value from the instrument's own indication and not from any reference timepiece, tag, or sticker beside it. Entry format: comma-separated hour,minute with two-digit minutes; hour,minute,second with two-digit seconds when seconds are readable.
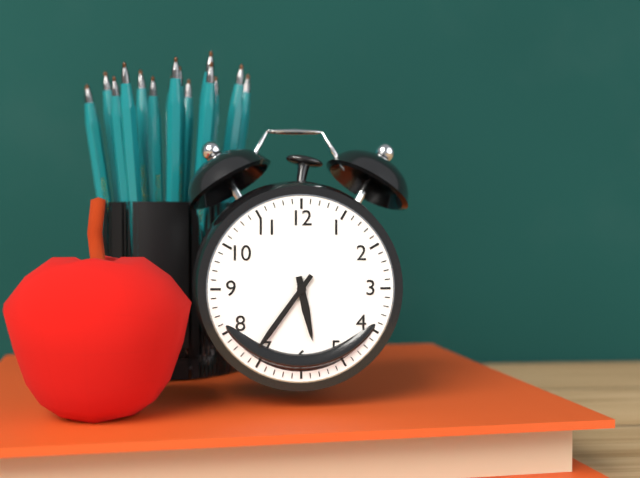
5,36
